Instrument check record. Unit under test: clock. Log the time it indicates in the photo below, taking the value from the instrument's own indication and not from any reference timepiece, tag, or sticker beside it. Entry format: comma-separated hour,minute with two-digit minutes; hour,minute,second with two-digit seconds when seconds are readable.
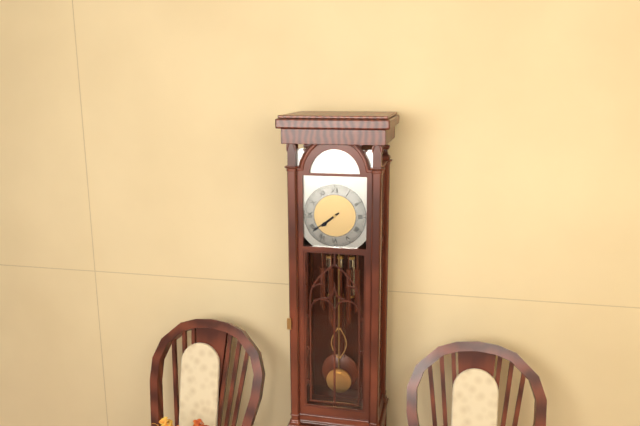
7,39
